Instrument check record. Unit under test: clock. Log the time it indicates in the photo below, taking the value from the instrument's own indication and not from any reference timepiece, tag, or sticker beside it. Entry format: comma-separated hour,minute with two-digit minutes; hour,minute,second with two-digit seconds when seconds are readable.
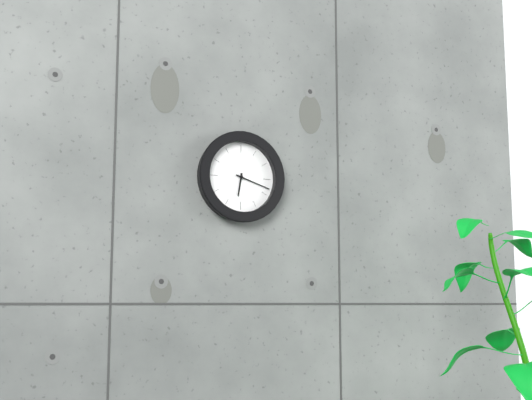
6,18
